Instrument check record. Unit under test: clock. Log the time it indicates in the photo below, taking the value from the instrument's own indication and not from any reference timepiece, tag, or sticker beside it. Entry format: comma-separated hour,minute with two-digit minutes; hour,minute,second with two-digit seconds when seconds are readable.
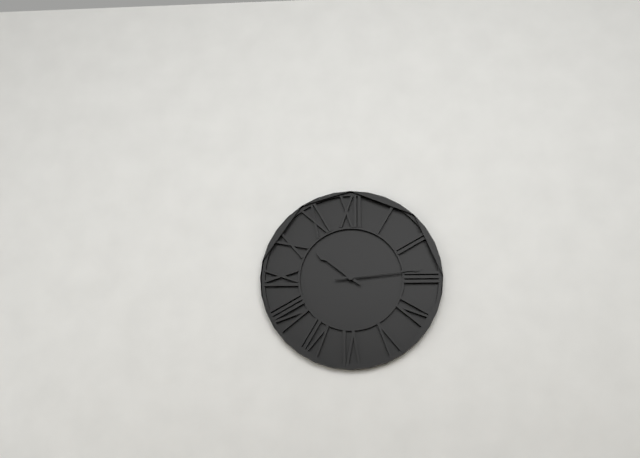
10,14
